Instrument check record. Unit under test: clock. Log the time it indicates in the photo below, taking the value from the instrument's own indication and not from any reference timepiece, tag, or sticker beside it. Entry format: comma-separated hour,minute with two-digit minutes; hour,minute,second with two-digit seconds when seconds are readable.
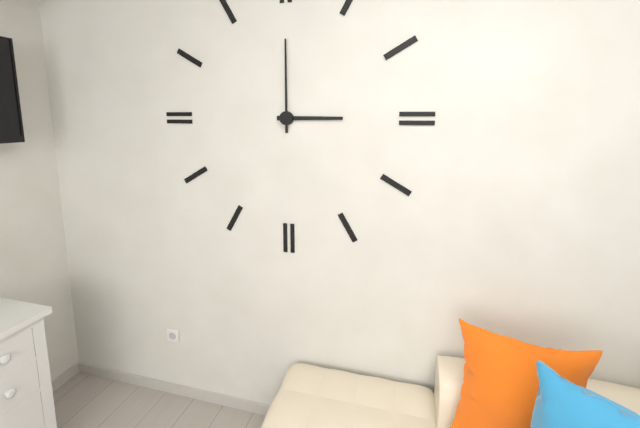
3,00
